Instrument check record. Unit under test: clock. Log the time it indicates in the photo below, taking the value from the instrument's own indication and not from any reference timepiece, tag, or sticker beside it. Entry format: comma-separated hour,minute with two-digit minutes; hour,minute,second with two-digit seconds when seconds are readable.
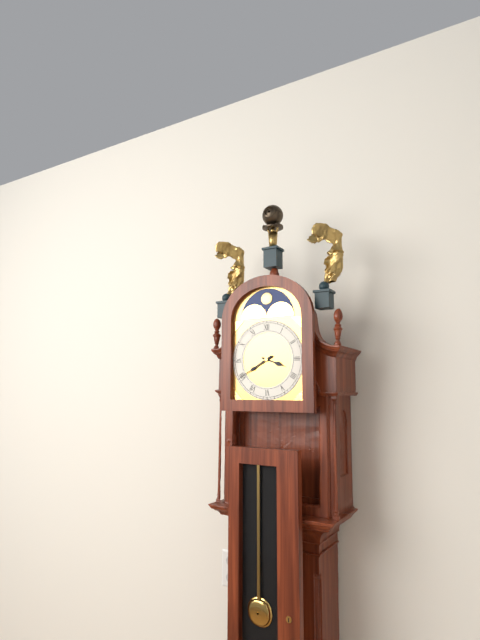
3,40
